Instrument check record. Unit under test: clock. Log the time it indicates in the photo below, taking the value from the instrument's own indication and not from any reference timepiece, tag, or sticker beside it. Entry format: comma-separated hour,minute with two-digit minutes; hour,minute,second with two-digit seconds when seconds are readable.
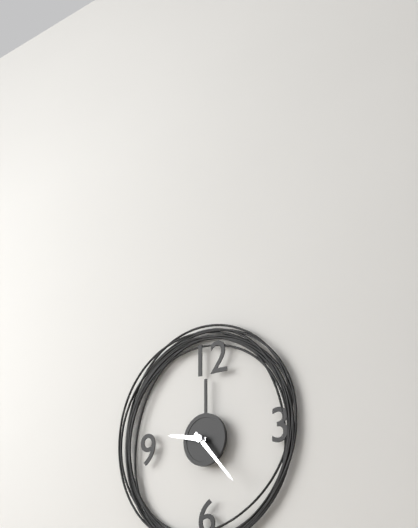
9,23
